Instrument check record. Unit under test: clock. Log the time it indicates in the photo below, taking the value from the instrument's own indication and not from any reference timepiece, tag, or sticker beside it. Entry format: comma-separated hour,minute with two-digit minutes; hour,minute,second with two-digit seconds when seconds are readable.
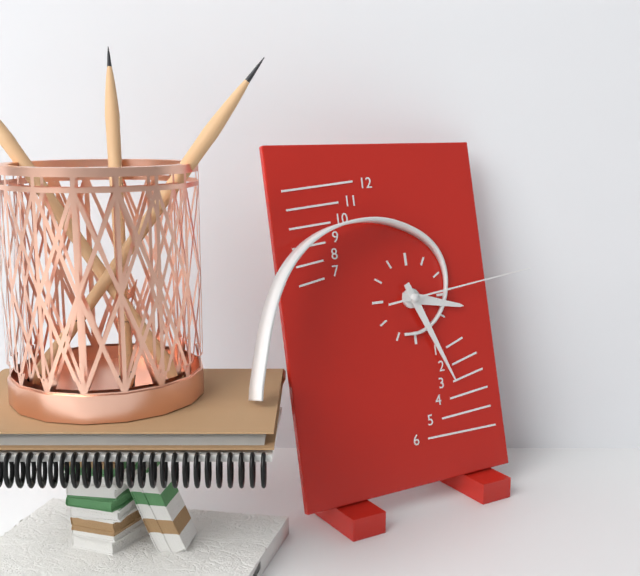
3,26,14
